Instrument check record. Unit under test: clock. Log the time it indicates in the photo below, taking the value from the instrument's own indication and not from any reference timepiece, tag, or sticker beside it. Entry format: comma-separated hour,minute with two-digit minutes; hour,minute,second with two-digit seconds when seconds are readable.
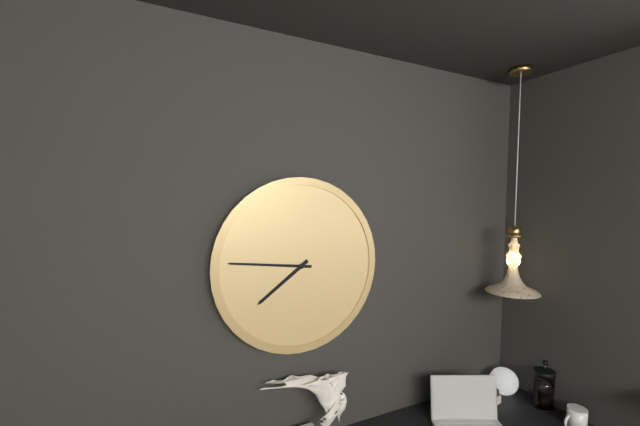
7,46
